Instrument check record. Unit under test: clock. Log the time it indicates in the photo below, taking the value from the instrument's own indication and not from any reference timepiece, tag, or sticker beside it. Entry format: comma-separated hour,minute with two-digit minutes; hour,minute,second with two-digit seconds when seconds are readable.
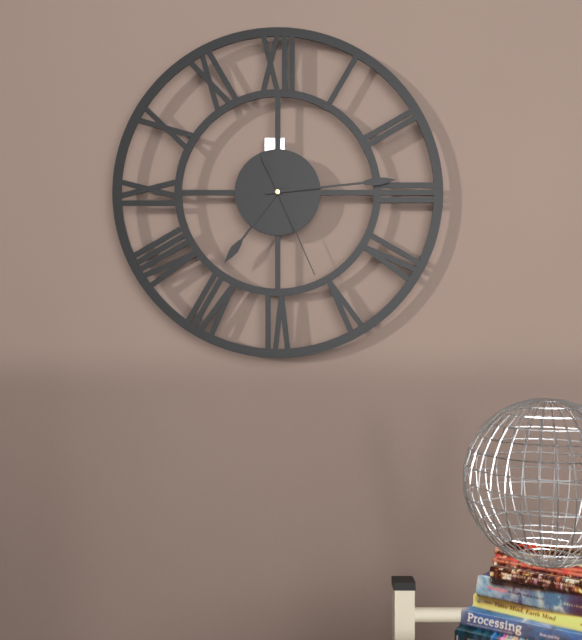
7,14,26
